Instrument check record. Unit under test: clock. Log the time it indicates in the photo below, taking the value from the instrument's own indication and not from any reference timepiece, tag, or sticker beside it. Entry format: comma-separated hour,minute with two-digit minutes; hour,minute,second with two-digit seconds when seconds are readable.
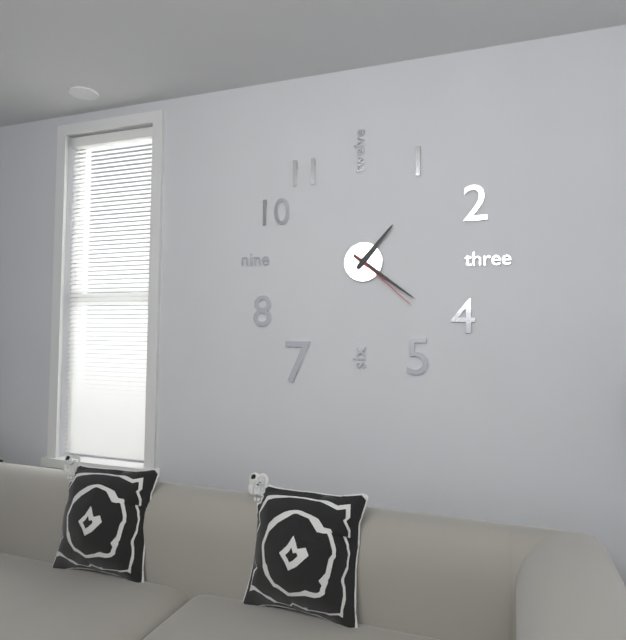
1,21,22
